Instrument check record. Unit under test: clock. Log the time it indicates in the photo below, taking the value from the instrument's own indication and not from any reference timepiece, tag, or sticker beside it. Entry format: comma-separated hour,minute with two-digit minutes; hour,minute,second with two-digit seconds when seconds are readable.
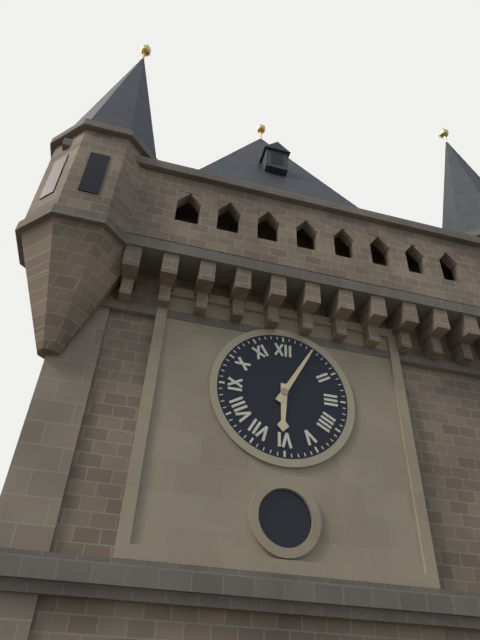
6,05
